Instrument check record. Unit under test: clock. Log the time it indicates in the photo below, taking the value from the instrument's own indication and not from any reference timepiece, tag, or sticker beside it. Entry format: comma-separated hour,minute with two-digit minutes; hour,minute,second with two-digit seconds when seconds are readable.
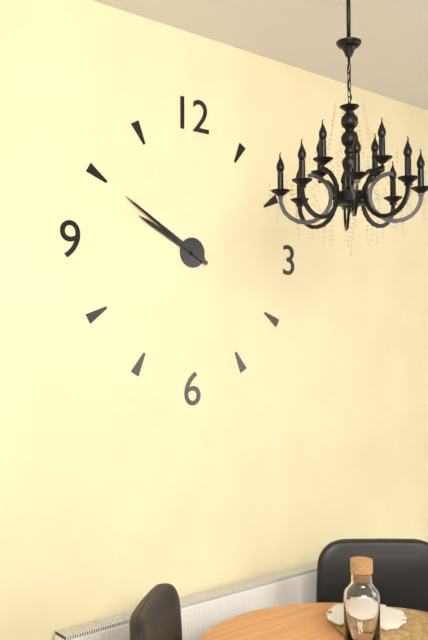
9,50
